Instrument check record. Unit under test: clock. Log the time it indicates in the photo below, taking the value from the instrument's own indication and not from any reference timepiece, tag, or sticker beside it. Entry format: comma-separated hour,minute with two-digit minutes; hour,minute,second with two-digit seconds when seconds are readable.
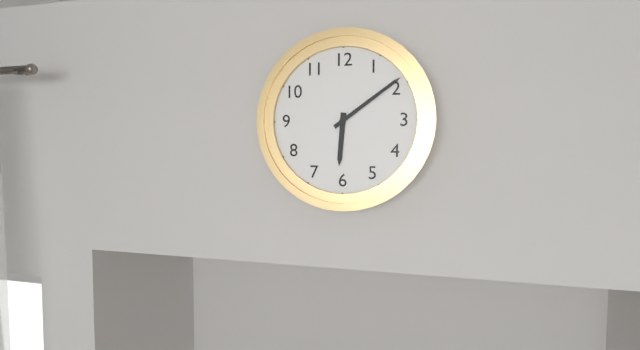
6,09
